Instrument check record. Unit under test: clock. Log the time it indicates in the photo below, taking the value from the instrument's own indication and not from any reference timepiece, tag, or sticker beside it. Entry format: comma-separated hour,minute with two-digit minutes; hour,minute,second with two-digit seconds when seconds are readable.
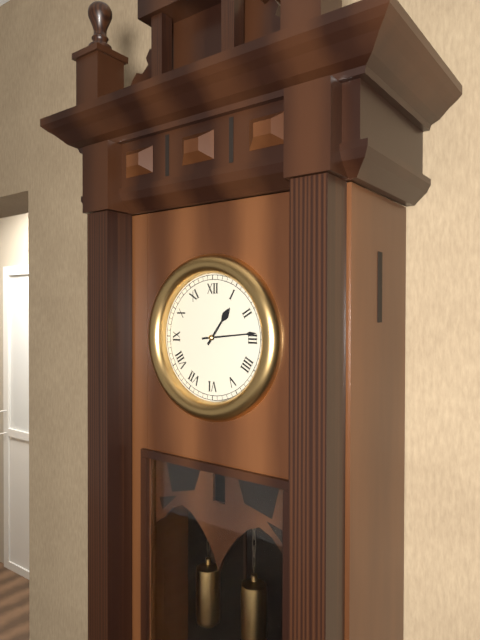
1,14
